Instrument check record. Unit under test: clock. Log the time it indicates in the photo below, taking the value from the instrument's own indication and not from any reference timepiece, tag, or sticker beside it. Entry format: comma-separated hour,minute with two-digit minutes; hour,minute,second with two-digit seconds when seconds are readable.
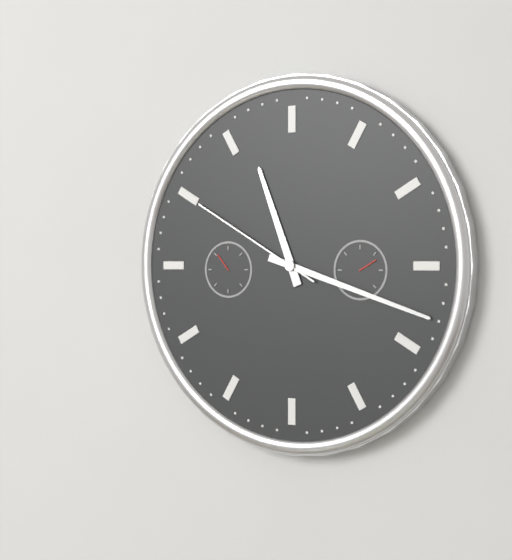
11,18,50
